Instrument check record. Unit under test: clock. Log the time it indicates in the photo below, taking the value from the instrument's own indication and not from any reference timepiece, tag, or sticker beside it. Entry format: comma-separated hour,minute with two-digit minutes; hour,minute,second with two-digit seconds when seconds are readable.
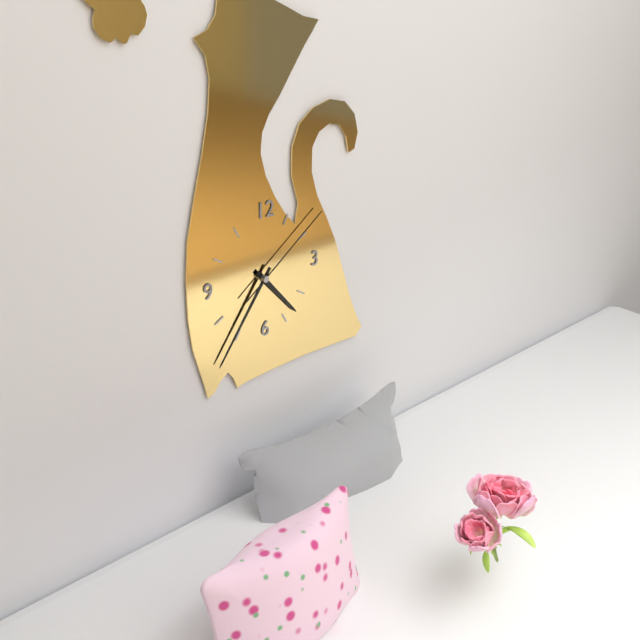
4,36,09
